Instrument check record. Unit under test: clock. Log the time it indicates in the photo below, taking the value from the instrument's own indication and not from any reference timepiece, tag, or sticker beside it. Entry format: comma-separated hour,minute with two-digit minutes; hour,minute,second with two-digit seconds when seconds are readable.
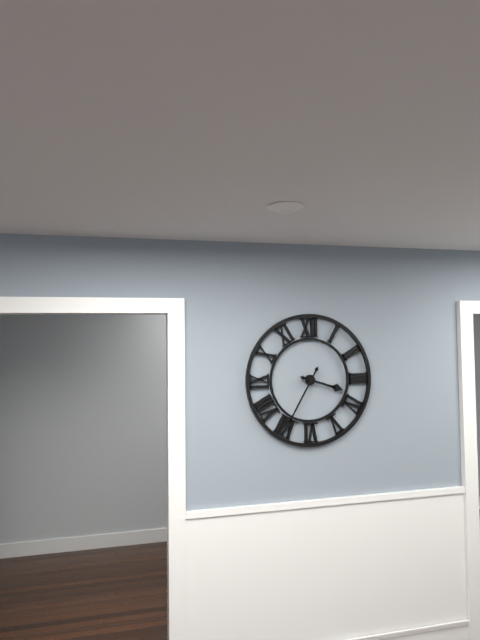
3,35
